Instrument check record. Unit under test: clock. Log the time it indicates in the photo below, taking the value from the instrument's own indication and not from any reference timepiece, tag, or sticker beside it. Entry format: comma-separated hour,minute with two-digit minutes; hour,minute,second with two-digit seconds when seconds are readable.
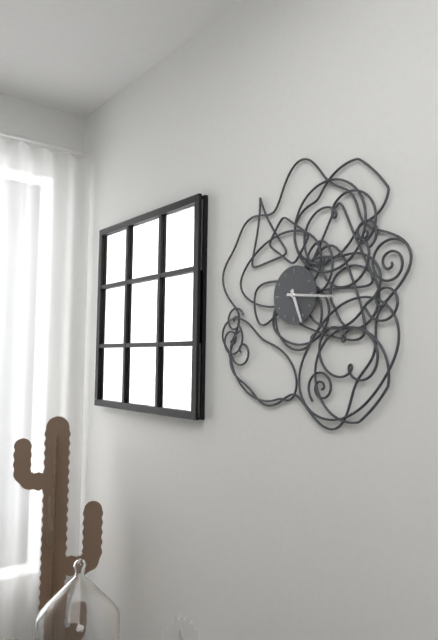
5,16
